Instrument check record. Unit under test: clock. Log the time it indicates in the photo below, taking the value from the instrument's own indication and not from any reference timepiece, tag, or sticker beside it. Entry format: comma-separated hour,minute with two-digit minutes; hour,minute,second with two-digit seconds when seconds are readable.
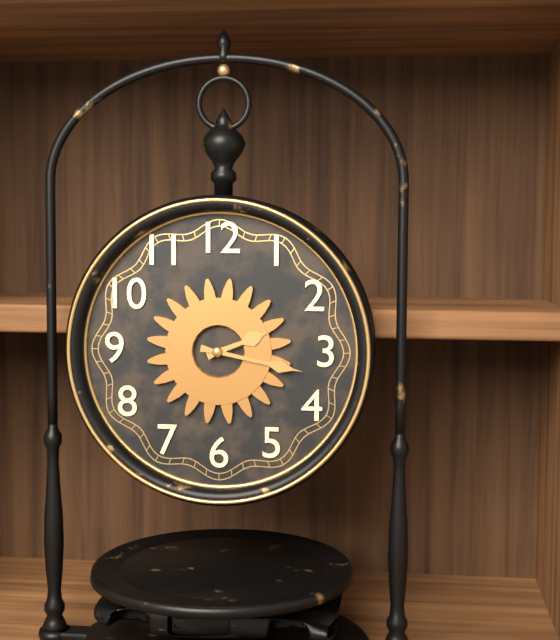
2,17
